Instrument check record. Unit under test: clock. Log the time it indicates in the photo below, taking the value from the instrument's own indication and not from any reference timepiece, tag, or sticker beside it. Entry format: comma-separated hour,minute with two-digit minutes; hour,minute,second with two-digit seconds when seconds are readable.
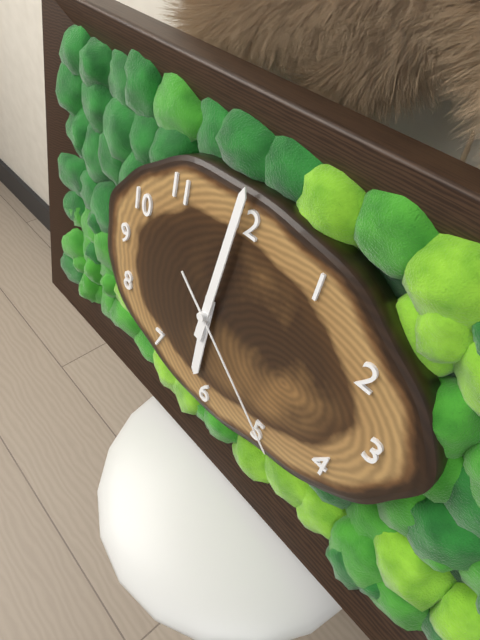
6,01,21
